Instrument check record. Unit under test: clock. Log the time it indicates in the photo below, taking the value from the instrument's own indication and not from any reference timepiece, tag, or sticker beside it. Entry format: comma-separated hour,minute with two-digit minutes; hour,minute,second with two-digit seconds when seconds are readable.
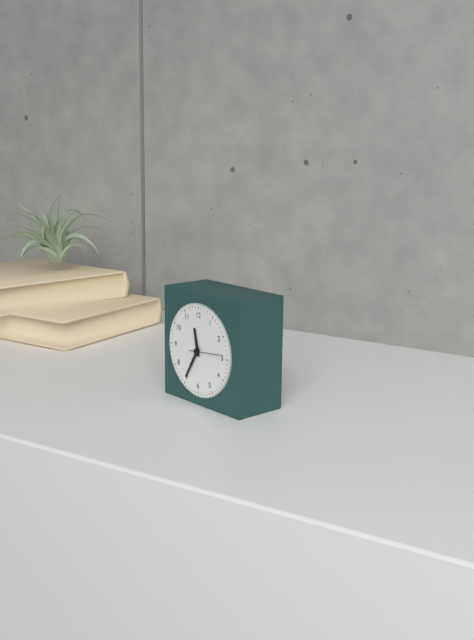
11,35
